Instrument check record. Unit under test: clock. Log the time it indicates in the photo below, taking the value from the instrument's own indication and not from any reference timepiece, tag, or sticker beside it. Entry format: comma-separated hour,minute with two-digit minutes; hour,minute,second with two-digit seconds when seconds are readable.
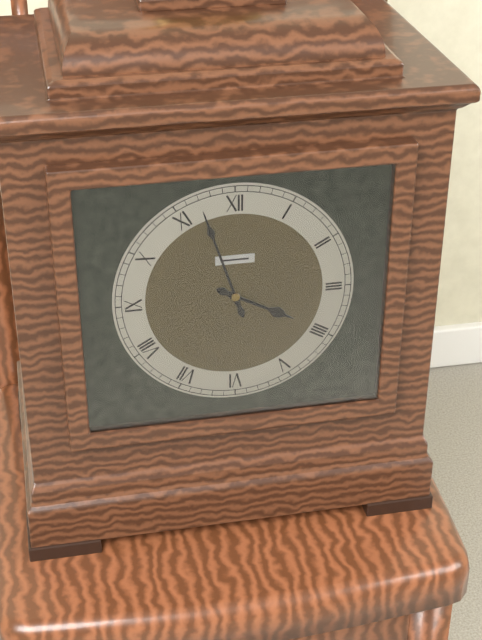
3,57
